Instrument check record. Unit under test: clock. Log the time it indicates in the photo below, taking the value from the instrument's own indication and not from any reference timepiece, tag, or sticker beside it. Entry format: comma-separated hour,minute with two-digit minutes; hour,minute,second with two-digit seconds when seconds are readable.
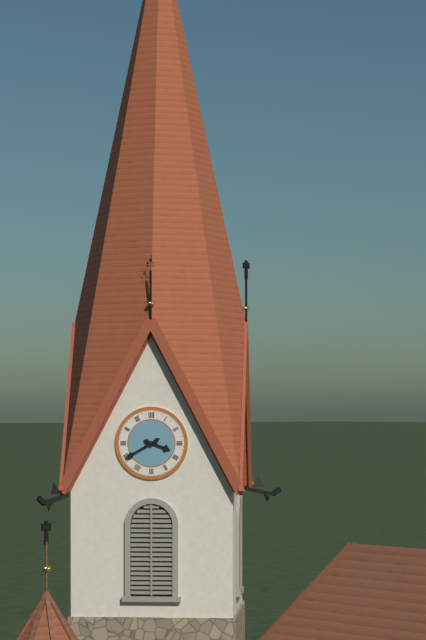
3,40
